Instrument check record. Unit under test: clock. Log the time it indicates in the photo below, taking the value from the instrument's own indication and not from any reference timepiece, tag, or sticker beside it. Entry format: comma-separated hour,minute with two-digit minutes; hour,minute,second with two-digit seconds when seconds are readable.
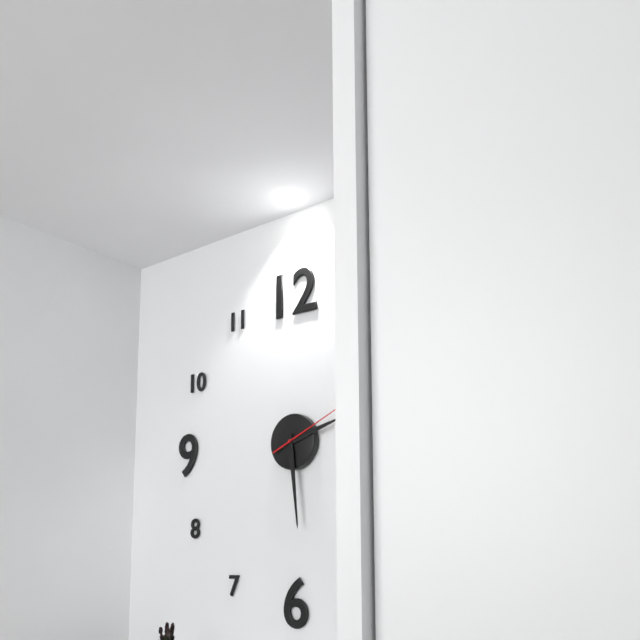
2,29,11
